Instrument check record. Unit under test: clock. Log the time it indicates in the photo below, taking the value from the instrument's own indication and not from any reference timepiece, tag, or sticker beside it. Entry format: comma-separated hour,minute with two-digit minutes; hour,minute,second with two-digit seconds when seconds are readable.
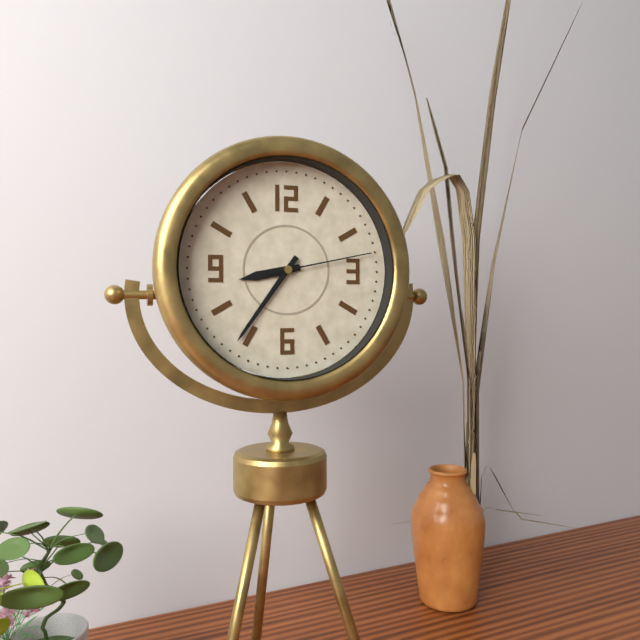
8,36,13
